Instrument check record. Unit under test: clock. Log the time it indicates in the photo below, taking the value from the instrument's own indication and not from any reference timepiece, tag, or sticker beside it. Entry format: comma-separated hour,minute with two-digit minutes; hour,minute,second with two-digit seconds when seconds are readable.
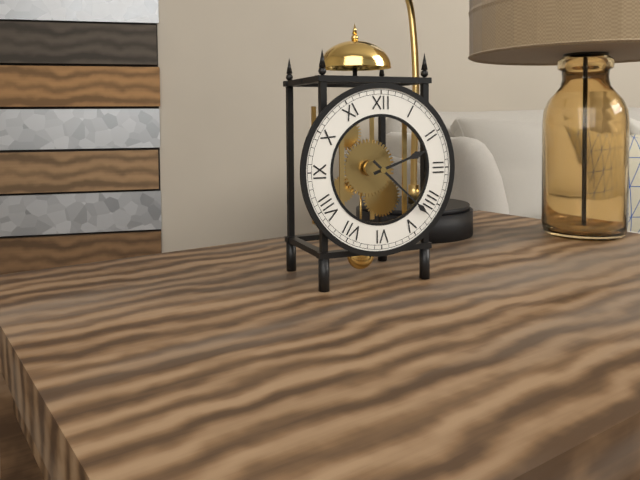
2,22
